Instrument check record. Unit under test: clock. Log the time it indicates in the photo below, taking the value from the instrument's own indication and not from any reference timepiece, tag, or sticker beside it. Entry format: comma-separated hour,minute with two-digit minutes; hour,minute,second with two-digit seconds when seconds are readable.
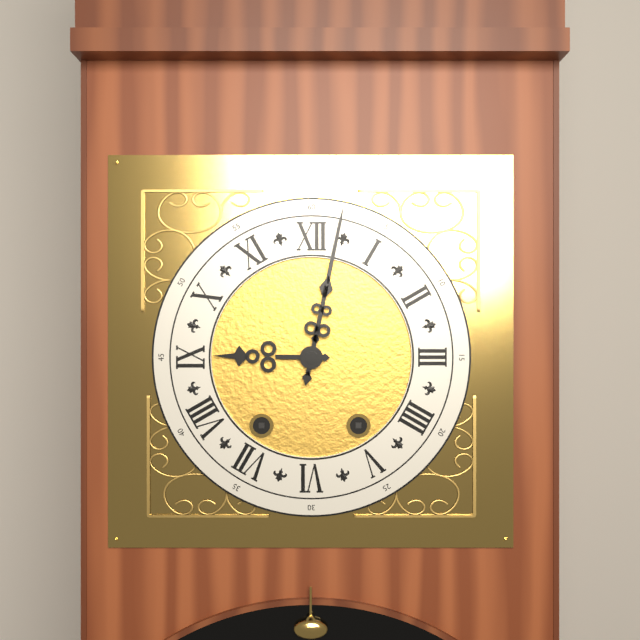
9,02
